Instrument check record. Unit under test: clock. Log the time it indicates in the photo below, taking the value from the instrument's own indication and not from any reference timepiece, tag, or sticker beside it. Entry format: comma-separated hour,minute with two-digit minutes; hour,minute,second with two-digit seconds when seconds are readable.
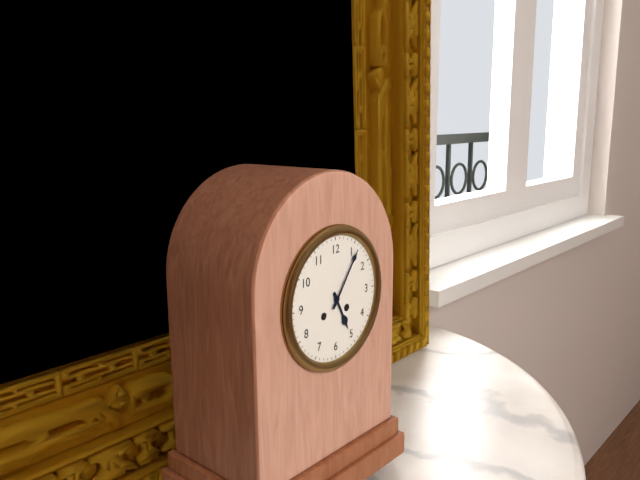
5,06
